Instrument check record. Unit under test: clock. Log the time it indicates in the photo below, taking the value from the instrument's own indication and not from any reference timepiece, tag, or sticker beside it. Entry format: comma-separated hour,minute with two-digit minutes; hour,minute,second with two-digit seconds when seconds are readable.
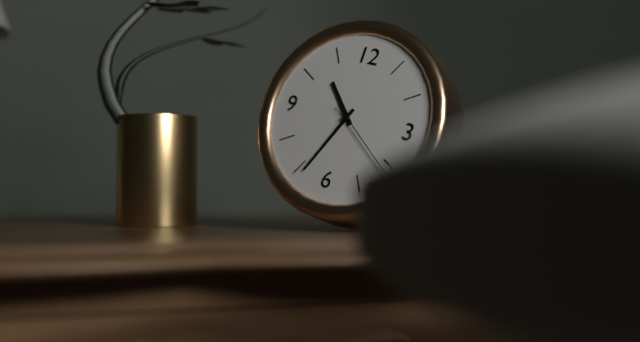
10,34,21
